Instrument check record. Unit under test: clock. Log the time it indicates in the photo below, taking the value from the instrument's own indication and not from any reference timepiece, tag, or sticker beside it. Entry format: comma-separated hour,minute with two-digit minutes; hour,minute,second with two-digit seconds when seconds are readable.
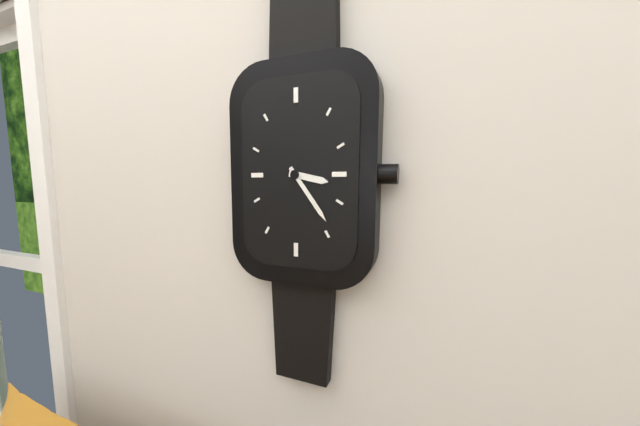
3,24
